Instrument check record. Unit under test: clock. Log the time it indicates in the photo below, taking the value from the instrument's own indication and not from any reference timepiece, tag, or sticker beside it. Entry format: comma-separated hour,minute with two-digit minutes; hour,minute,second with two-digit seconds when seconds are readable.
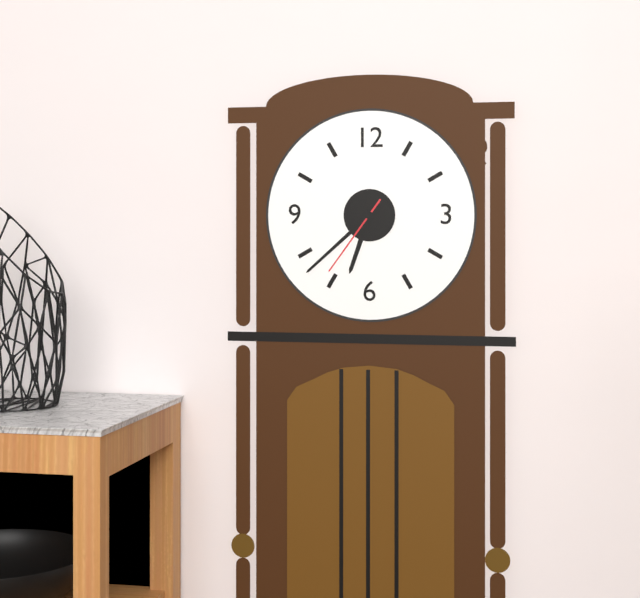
6,38,36
